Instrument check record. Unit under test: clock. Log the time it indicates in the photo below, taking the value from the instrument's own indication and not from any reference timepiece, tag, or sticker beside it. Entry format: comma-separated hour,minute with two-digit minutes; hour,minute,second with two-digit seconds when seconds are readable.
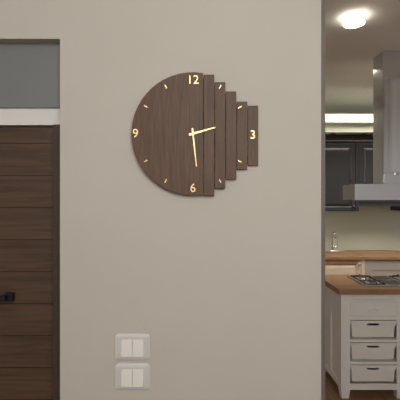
2,29
